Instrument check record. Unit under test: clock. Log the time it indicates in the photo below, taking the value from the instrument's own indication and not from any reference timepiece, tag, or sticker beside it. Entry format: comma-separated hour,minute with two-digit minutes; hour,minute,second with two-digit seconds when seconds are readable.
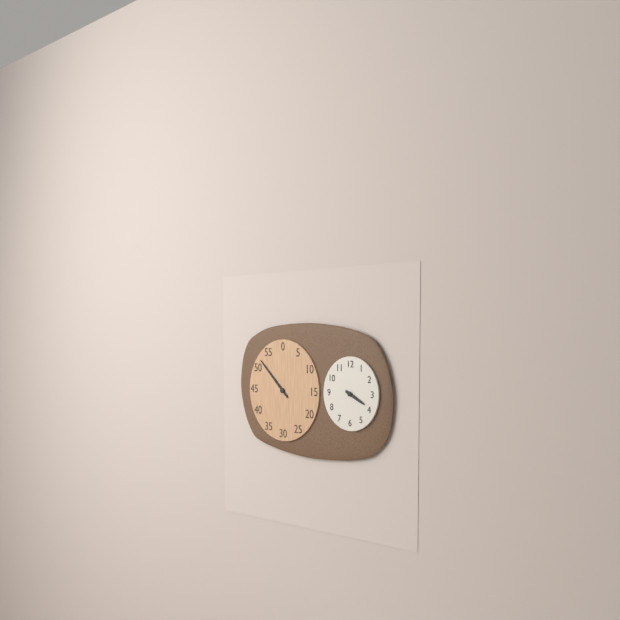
3,52
